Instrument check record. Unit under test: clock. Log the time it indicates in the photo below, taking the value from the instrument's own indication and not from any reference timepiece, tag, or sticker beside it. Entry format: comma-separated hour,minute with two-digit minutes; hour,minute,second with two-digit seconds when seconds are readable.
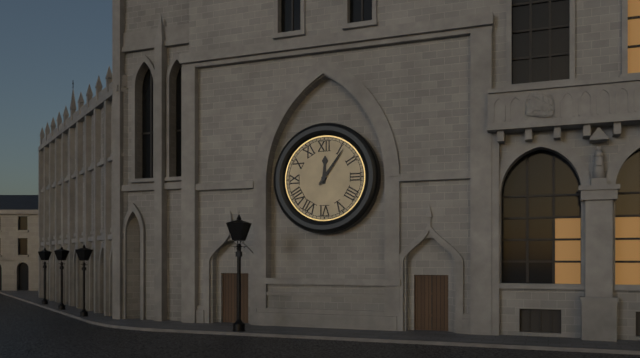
12,06
